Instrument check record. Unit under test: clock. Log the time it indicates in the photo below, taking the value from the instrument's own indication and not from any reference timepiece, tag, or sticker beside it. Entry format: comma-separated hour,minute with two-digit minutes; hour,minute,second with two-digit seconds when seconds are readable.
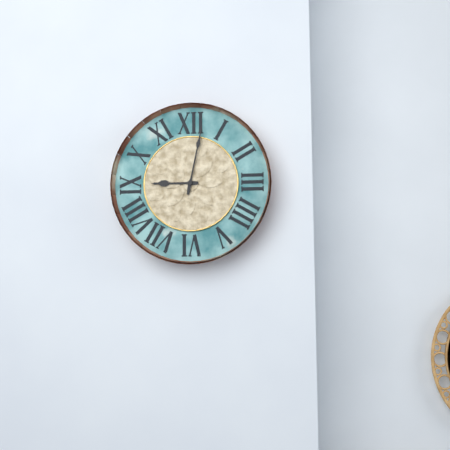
9,02
